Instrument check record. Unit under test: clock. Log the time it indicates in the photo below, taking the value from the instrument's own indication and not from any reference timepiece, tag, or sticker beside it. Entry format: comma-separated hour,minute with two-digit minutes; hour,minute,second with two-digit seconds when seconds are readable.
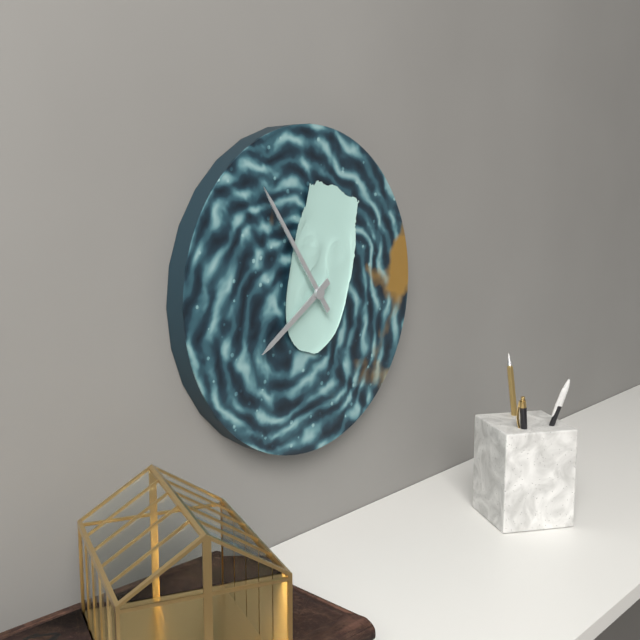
7,54
